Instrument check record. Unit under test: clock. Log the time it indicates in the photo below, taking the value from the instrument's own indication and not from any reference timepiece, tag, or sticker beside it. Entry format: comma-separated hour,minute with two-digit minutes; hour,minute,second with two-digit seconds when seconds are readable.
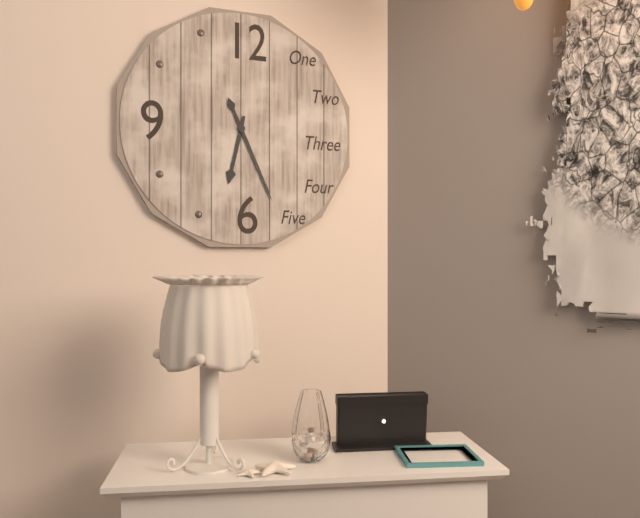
6,26
